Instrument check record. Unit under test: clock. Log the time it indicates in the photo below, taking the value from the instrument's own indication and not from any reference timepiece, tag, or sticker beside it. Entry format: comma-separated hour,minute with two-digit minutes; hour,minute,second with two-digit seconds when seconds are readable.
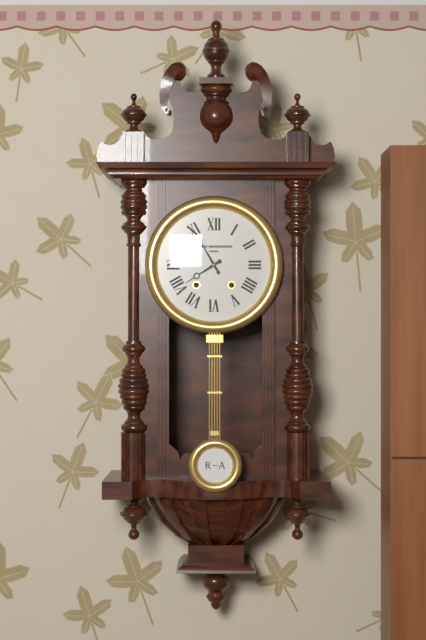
7,55
